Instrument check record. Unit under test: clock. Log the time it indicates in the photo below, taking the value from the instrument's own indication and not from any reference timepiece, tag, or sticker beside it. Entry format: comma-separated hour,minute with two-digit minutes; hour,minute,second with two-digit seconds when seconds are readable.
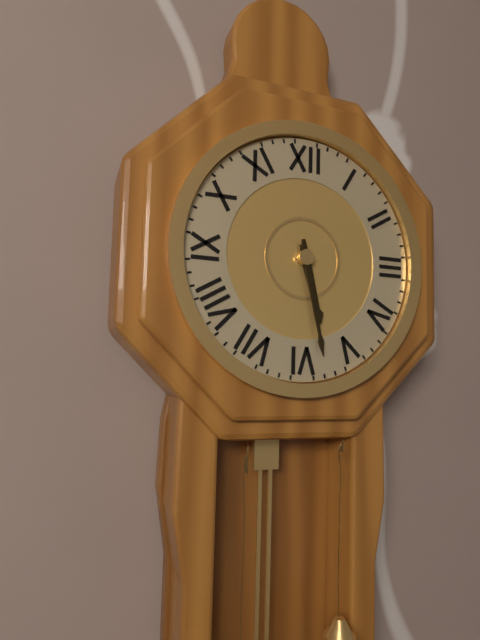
5,28
